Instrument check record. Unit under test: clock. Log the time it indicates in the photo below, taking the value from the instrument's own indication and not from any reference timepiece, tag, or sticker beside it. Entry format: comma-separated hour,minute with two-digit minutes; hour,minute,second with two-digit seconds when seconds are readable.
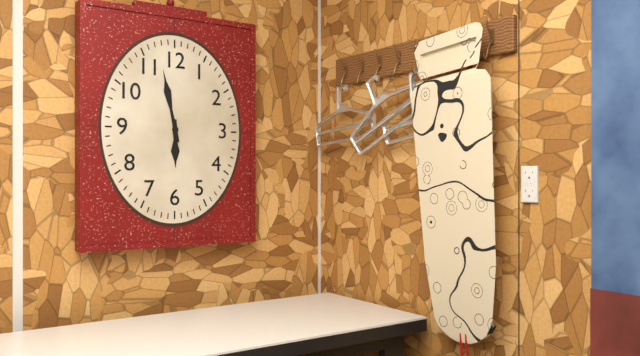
5,58
